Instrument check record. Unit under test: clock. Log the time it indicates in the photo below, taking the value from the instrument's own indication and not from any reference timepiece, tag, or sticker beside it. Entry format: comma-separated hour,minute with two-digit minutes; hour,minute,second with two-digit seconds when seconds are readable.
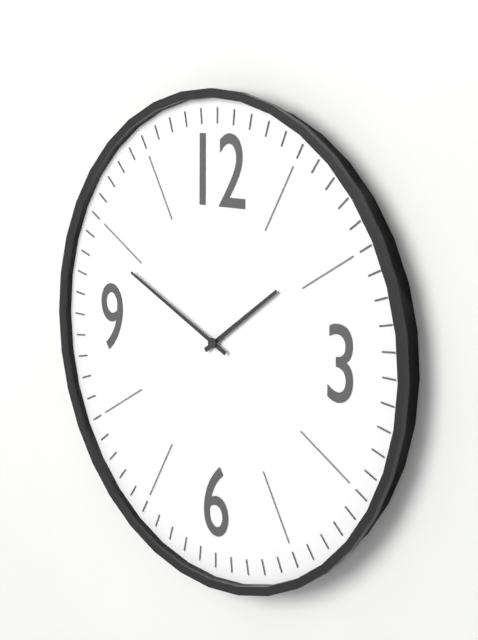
1,49
